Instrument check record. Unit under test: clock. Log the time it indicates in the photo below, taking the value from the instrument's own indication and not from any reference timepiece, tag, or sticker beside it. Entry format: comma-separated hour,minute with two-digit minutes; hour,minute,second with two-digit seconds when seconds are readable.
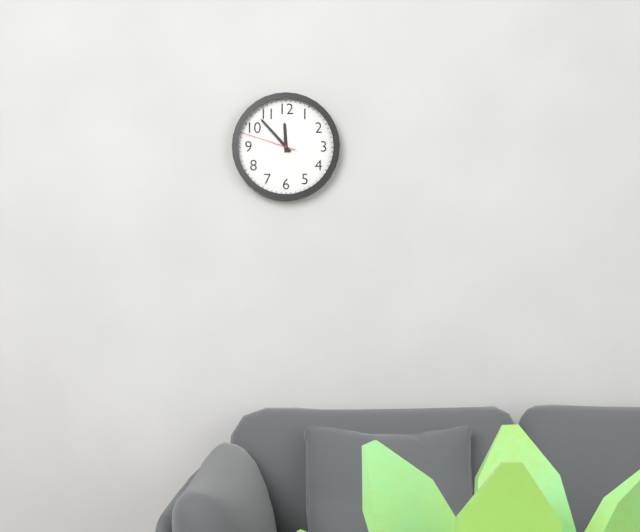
11,53,48
